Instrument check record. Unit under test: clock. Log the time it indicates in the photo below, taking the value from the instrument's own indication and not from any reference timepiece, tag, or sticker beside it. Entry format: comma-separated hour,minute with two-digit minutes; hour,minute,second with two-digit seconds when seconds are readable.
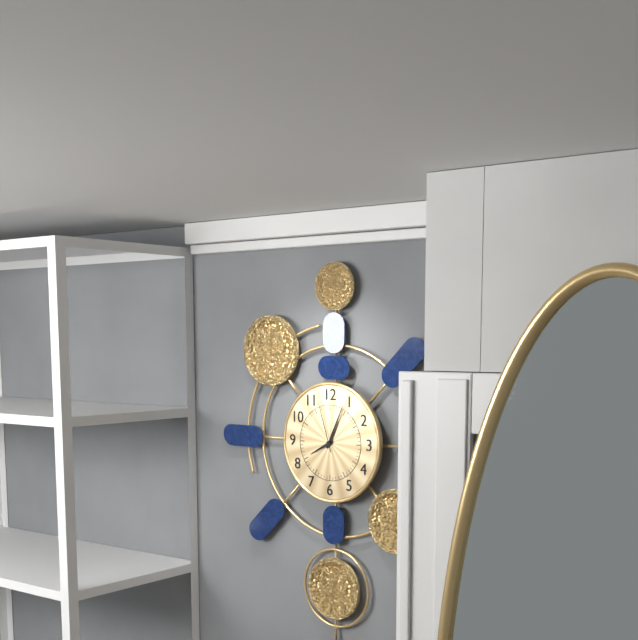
8,04,57
